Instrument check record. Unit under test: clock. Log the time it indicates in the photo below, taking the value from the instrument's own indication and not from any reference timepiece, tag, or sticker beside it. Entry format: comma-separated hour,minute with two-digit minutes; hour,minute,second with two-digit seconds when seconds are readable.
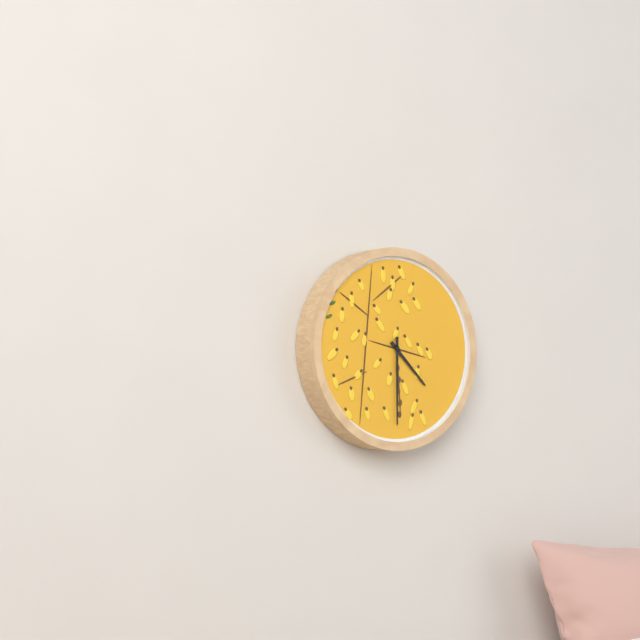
4,30
